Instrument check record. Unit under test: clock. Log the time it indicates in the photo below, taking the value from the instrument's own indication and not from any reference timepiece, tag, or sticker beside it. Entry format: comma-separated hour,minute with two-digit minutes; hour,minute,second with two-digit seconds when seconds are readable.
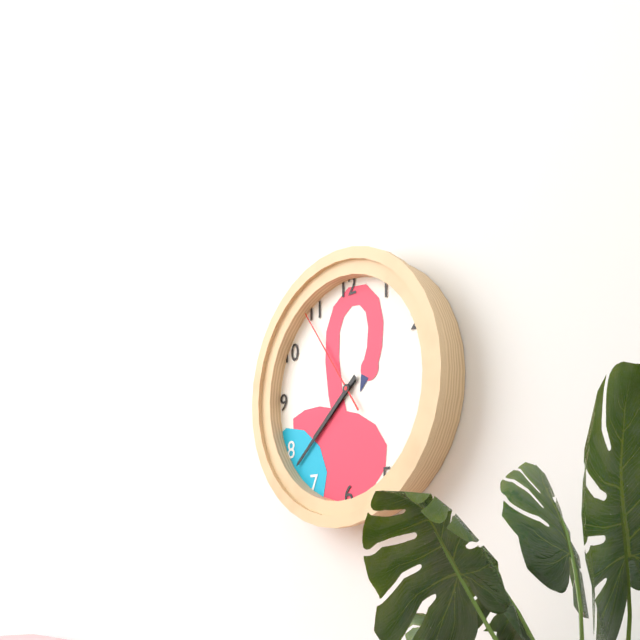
7,38,54
